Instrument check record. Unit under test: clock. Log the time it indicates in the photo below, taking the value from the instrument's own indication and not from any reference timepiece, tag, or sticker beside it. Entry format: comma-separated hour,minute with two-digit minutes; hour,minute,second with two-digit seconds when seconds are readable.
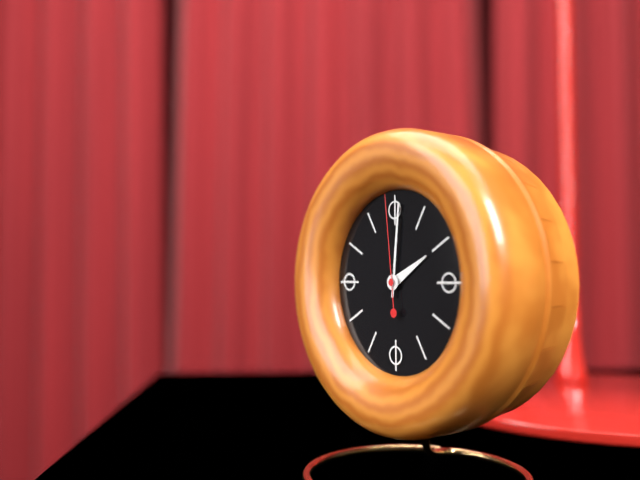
2,01,59
